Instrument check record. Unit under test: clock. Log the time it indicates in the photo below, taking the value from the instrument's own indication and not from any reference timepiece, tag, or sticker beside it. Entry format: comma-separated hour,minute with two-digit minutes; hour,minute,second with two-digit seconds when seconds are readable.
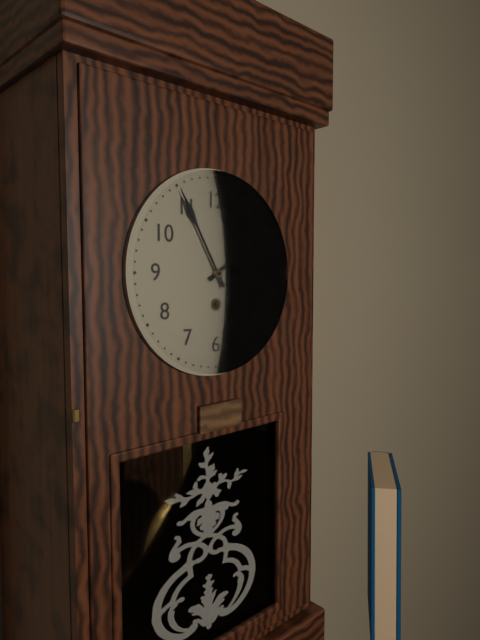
1,55
